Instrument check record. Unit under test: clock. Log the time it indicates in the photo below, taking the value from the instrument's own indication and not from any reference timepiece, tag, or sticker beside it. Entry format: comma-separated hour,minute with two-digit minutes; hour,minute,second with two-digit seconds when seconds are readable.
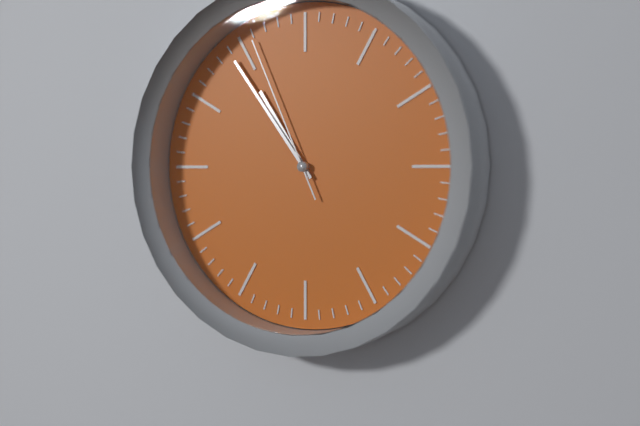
10,54,56
